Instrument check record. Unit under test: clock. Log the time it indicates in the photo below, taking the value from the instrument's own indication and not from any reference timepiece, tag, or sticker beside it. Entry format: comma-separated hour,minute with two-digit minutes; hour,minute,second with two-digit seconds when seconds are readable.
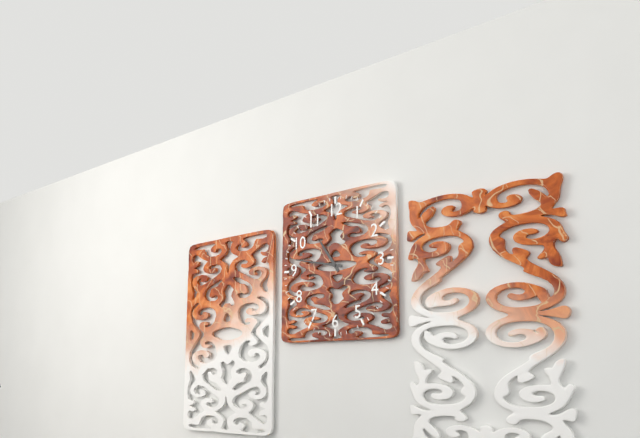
10,47
